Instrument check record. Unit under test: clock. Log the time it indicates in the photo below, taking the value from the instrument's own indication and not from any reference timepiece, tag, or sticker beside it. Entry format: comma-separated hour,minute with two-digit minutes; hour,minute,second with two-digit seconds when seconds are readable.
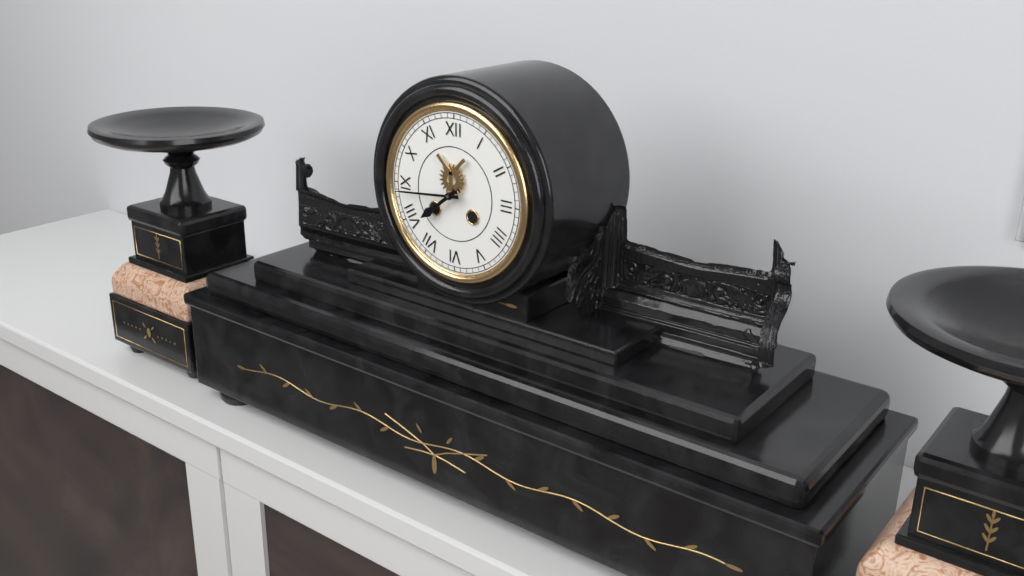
7,44
